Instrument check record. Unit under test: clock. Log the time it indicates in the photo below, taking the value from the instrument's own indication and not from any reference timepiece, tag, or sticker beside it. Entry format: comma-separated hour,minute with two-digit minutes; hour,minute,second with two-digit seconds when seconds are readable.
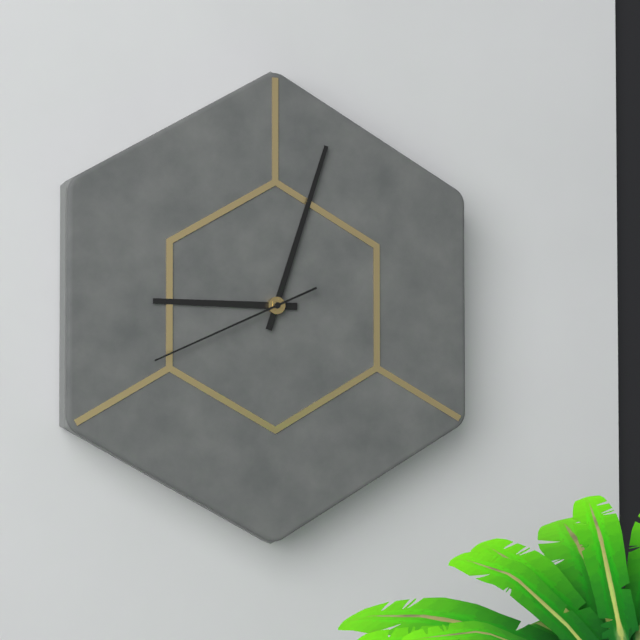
9,03,41
